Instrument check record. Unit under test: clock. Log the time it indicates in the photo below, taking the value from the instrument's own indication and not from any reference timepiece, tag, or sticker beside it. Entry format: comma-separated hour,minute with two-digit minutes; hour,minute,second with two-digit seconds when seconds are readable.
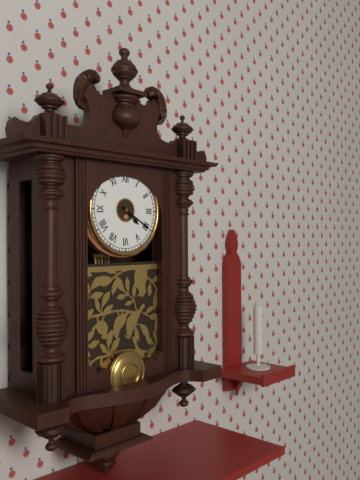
4,20
